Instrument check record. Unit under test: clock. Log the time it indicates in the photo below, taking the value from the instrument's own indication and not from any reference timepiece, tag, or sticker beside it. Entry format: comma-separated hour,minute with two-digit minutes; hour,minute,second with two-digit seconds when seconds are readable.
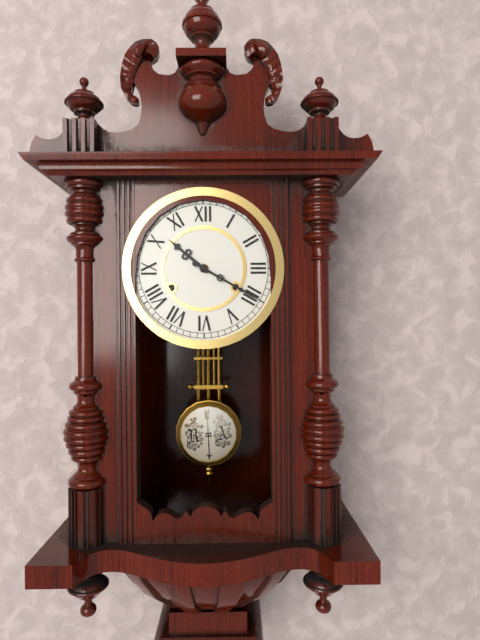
10,20
